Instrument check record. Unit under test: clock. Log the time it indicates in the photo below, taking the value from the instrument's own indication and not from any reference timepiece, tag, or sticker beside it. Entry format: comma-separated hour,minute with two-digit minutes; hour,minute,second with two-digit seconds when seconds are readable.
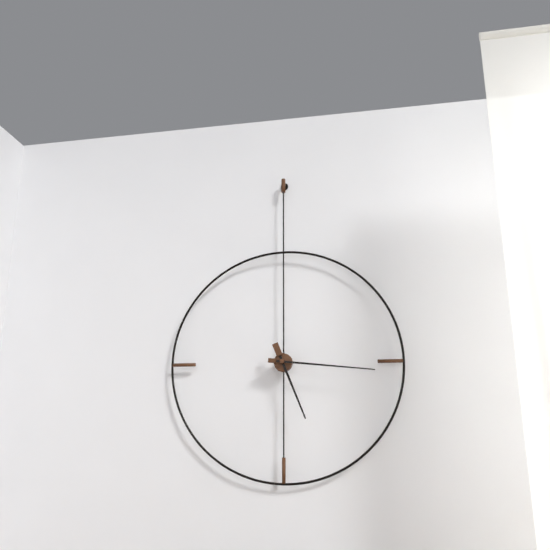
5,16
